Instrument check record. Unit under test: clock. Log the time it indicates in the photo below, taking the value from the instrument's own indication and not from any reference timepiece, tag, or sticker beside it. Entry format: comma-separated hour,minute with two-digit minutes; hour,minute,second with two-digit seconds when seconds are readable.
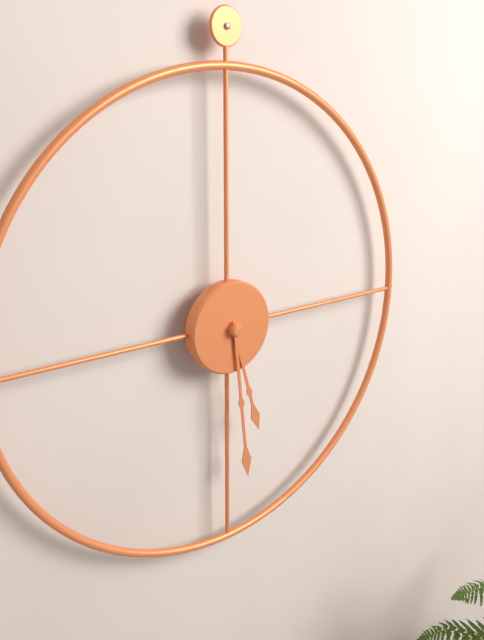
5,29
